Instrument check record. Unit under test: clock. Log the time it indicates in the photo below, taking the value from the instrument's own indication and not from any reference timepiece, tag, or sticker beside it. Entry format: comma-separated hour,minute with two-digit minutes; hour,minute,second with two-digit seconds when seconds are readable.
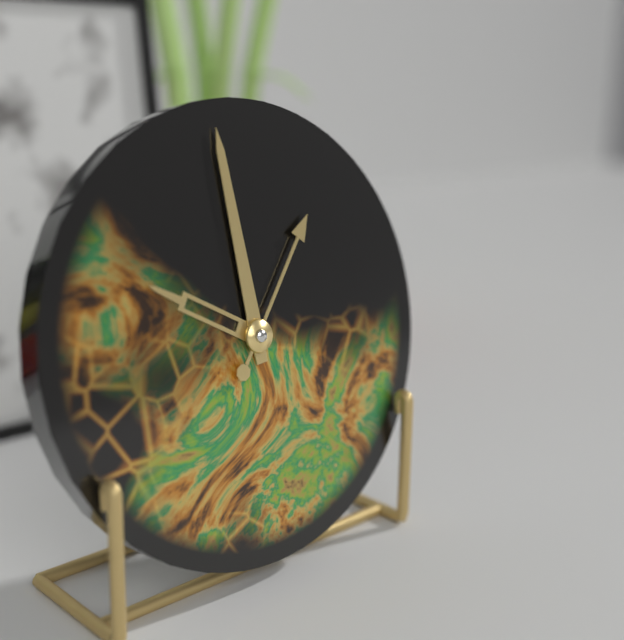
9,59,06
